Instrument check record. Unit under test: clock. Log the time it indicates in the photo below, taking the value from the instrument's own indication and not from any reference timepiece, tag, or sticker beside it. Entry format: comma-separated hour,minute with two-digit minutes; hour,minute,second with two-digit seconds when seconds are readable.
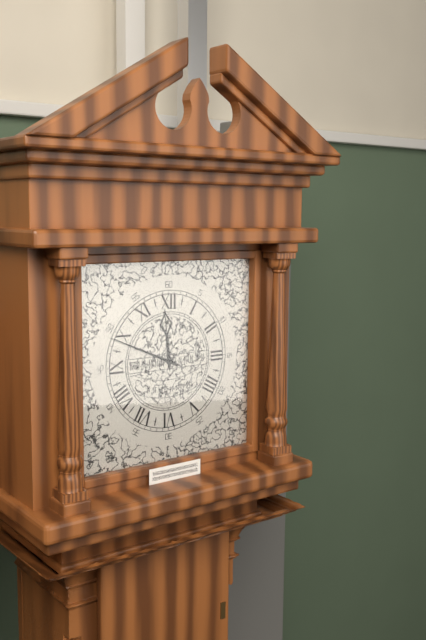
11,49
